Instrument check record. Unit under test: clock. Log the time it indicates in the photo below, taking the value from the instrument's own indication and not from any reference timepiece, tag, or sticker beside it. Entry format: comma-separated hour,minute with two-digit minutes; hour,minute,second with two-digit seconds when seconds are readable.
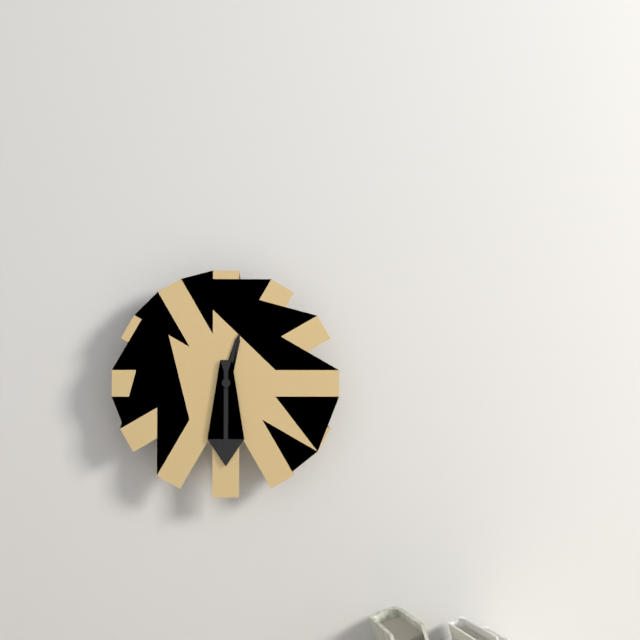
12,30
